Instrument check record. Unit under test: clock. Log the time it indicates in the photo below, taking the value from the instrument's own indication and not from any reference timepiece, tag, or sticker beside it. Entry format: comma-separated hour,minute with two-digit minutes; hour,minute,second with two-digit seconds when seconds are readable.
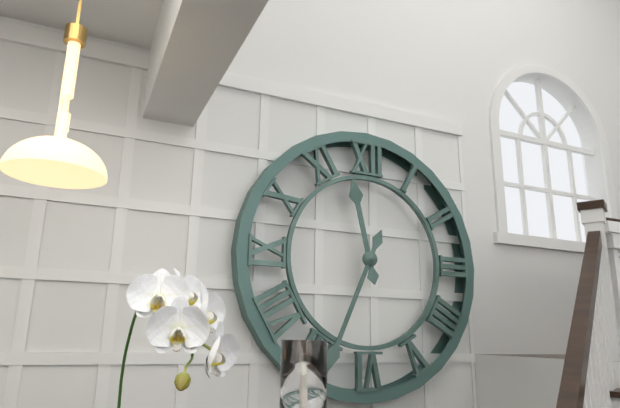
11,34
